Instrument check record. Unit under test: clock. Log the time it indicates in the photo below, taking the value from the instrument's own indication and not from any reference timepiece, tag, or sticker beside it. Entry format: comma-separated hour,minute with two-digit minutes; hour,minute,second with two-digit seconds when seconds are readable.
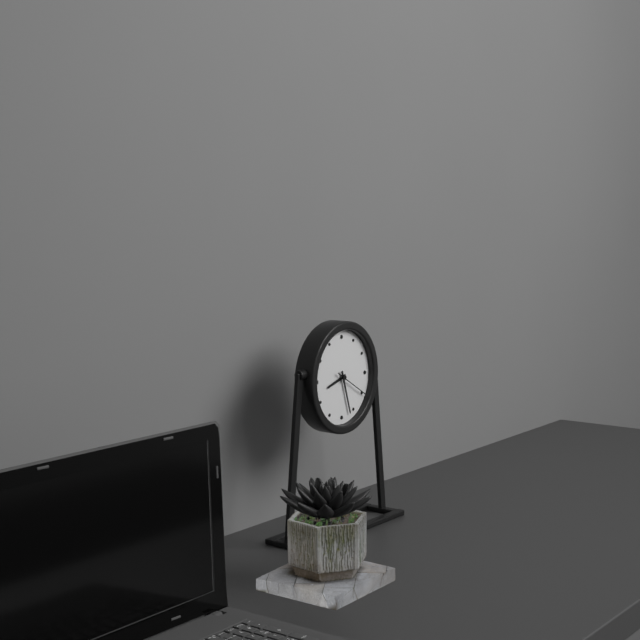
8,27
